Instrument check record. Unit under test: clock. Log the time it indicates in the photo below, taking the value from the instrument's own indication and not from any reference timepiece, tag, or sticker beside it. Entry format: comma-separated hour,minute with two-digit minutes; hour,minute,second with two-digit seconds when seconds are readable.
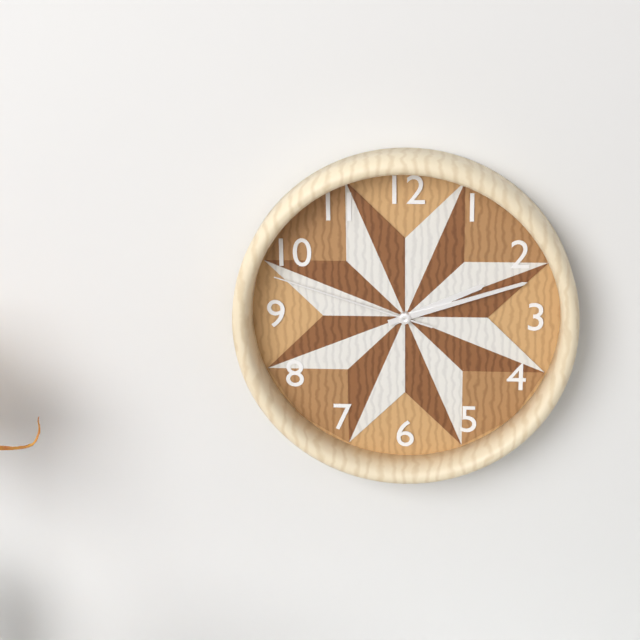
2,12,48
